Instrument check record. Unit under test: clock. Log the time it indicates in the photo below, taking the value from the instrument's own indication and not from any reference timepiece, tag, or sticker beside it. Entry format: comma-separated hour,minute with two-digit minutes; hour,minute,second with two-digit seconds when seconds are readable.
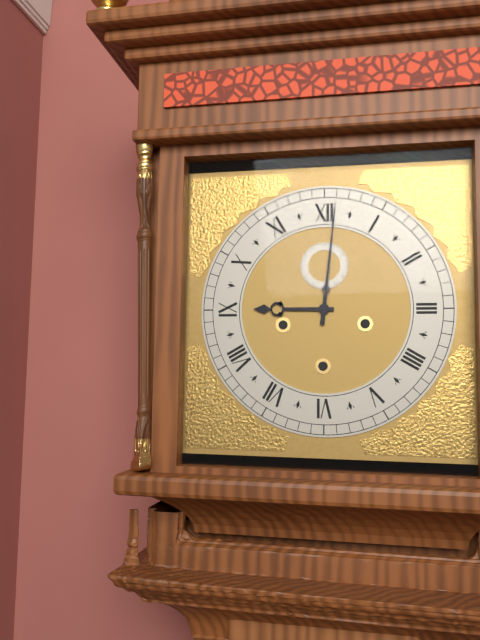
9,01
